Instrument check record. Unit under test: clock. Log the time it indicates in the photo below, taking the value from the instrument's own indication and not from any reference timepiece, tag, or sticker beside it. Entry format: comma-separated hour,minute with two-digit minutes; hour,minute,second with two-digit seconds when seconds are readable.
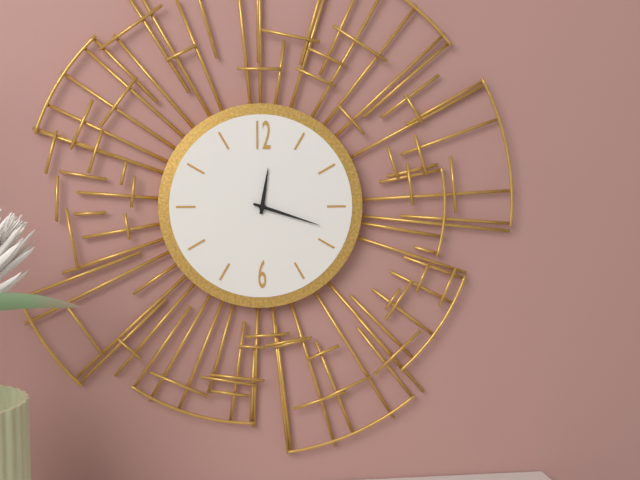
12,18
